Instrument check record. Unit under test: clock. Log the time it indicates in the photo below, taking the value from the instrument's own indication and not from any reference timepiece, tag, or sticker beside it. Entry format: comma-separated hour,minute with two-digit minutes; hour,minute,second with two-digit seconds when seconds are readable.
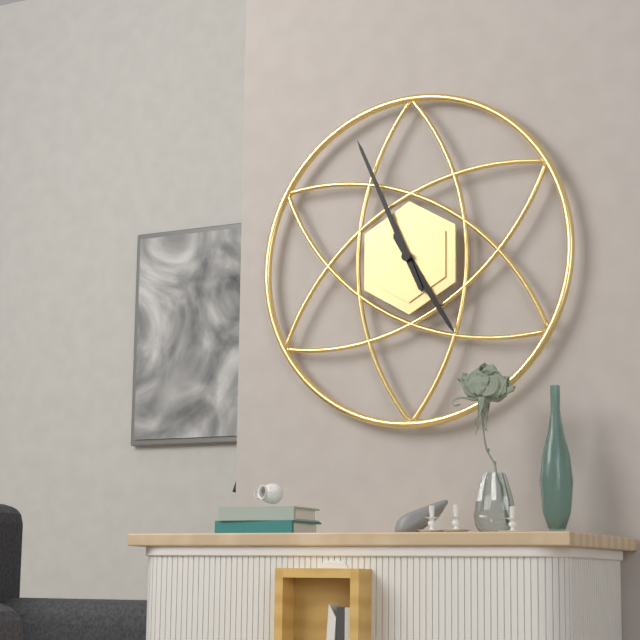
4,56
